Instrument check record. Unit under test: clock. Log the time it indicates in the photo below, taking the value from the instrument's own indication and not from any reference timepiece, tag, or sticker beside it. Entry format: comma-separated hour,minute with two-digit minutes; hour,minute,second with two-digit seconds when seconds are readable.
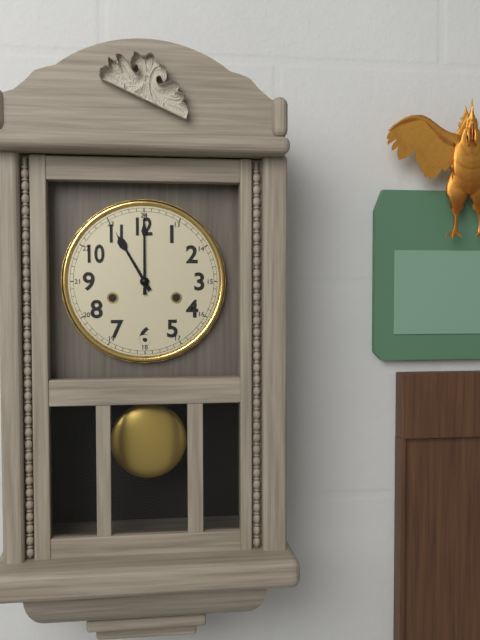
11,00
